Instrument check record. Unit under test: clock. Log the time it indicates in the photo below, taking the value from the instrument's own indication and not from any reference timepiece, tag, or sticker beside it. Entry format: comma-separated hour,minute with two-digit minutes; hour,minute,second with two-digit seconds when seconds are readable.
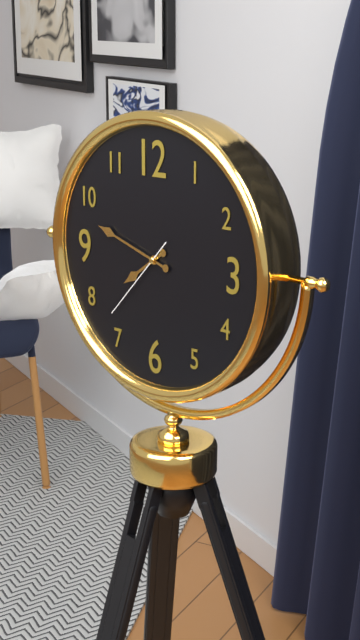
7,48,37
